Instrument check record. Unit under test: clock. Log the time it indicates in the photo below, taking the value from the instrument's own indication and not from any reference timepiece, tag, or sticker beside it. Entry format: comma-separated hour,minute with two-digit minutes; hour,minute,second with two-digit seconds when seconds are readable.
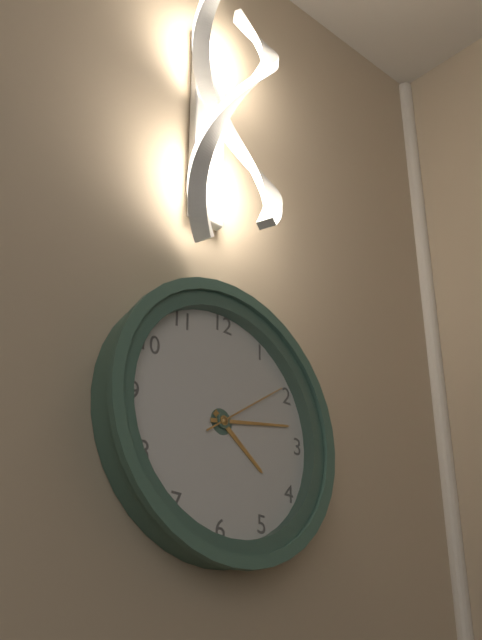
4,13,09
